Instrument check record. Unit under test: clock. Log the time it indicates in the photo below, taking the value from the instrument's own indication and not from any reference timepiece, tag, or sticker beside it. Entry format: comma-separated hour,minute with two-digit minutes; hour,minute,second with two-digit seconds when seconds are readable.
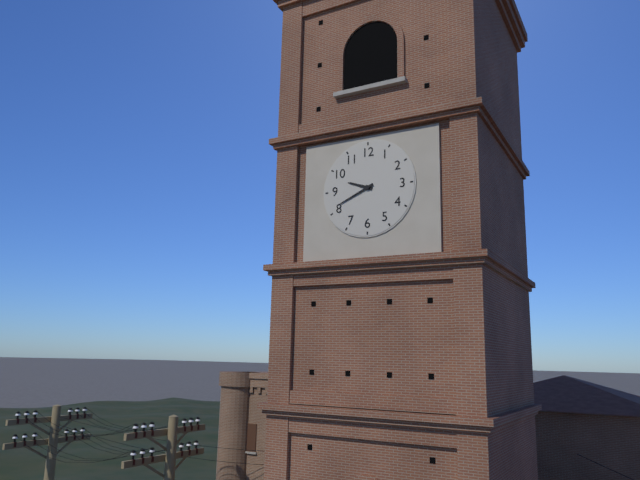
9,41
